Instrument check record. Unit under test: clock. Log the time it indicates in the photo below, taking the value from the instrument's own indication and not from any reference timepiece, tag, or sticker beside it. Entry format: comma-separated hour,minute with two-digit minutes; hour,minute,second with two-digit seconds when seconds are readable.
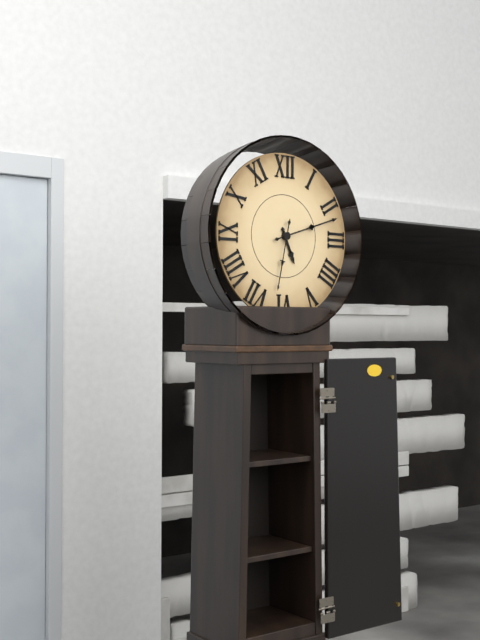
5,12,32
